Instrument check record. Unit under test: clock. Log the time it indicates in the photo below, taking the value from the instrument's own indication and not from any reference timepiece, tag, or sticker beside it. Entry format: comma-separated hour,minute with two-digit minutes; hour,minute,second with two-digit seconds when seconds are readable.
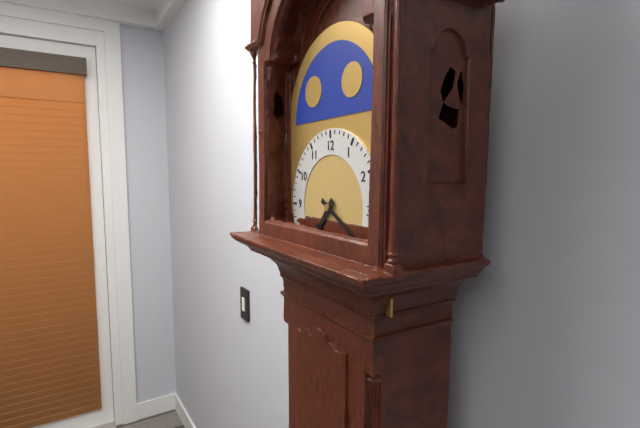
7,20
